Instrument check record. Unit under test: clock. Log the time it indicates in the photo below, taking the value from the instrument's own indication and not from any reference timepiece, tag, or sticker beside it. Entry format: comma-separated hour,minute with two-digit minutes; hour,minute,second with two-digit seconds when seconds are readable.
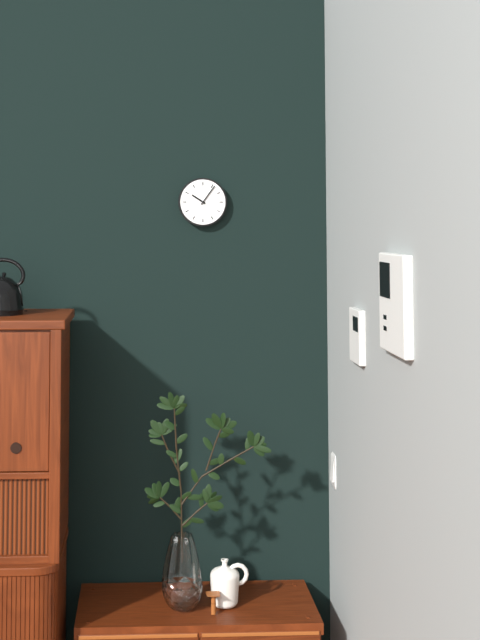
10,06
